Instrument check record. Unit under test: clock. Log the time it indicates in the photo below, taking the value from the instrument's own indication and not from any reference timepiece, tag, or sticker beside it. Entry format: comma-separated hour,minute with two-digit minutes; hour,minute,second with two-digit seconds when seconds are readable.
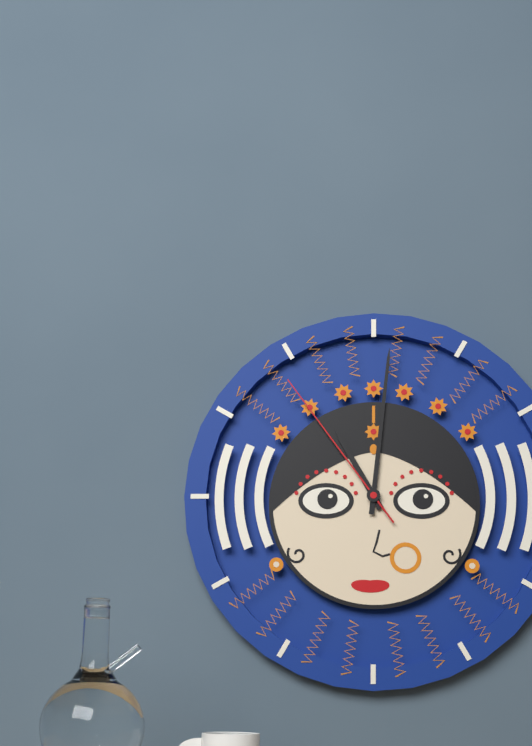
11,01,54
